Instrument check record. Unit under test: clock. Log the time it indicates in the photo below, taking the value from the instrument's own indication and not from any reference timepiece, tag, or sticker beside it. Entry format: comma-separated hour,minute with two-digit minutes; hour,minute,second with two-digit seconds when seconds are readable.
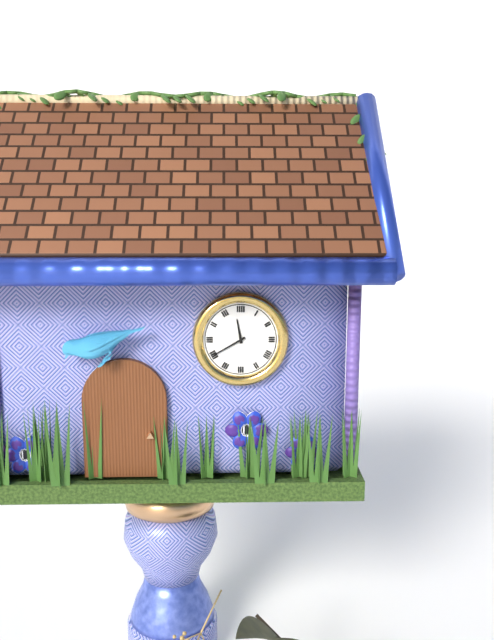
11,40
